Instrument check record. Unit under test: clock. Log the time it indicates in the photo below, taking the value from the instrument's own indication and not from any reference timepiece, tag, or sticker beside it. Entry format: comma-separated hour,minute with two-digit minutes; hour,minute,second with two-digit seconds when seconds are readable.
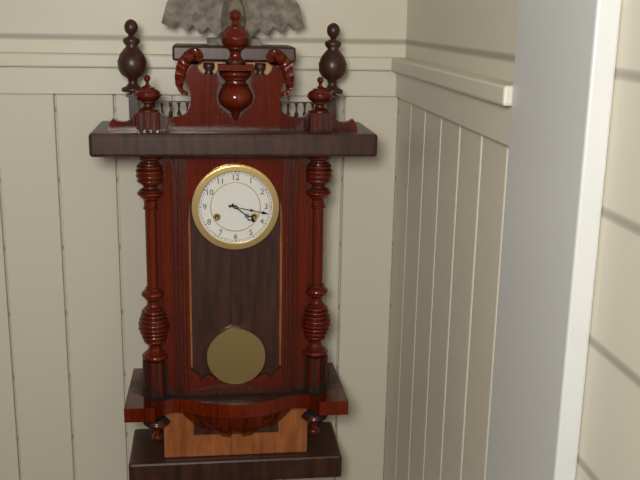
4,17
